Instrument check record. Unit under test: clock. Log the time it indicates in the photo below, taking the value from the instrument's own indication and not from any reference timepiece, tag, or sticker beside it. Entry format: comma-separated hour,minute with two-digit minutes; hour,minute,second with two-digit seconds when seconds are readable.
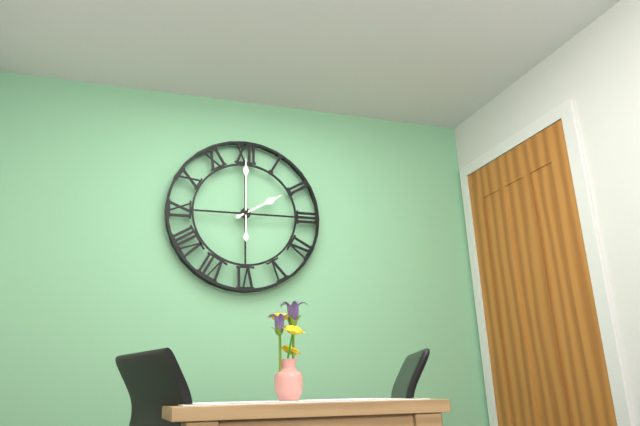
2,00
